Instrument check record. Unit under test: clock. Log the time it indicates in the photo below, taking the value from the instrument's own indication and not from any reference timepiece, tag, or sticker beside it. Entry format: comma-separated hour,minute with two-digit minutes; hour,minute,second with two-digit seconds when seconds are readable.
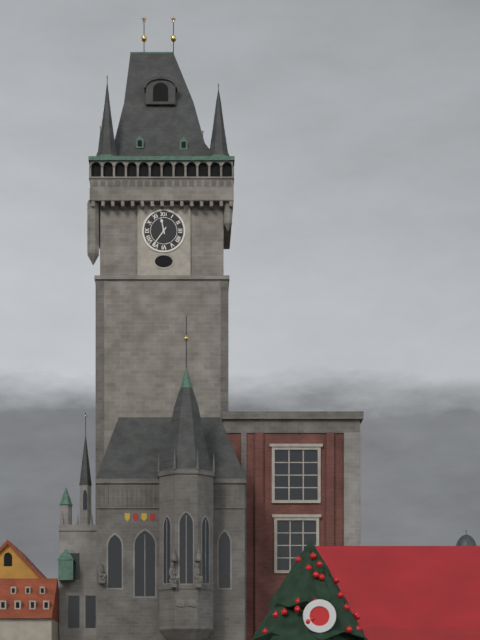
11,36
